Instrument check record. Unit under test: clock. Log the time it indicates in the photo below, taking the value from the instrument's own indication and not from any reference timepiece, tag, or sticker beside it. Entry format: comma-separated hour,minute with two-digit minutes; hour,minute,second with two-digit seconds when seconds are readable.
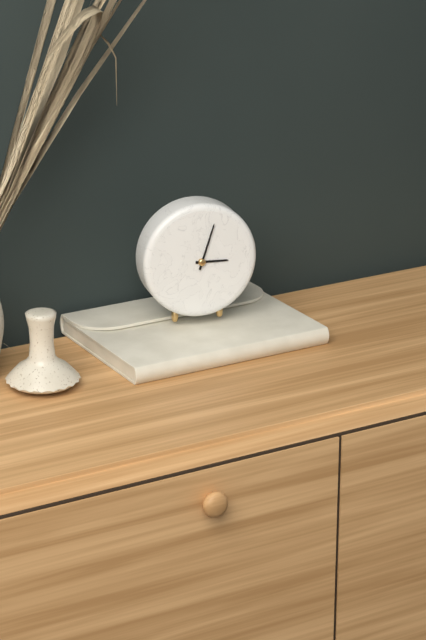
3,03
